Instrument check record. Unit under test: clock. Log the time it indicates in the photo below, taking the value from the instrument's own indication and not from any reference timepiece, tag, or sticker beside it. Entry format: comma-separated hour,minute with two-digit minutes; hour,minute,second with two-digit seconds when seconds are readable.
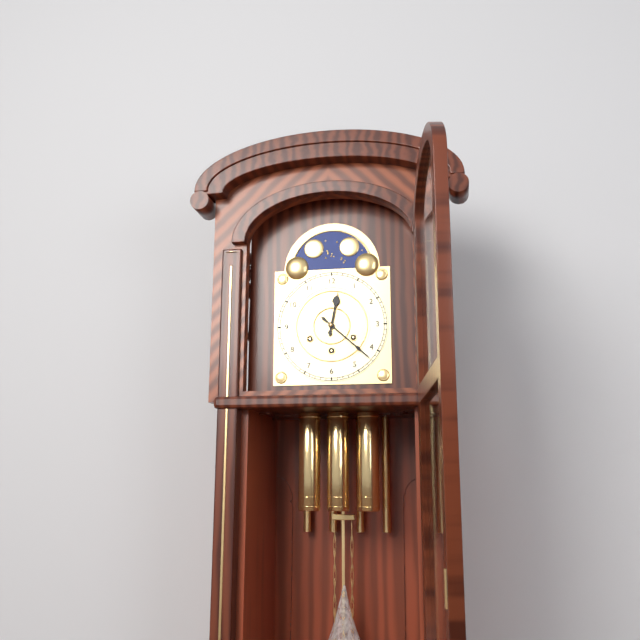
12,22
